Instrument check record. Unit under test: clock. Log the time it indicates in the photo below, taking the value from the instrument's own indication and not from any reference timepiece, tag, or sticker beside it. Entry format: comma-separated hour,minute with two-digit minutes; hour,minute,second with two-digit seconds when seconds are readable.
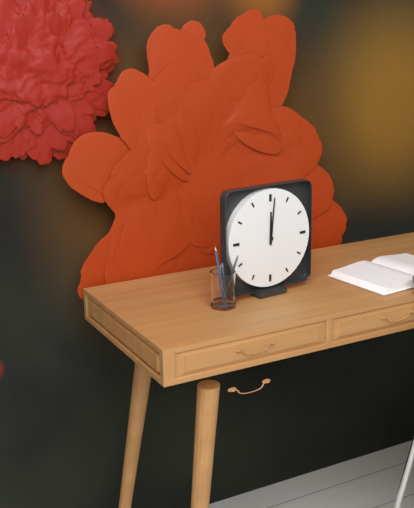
12,01
